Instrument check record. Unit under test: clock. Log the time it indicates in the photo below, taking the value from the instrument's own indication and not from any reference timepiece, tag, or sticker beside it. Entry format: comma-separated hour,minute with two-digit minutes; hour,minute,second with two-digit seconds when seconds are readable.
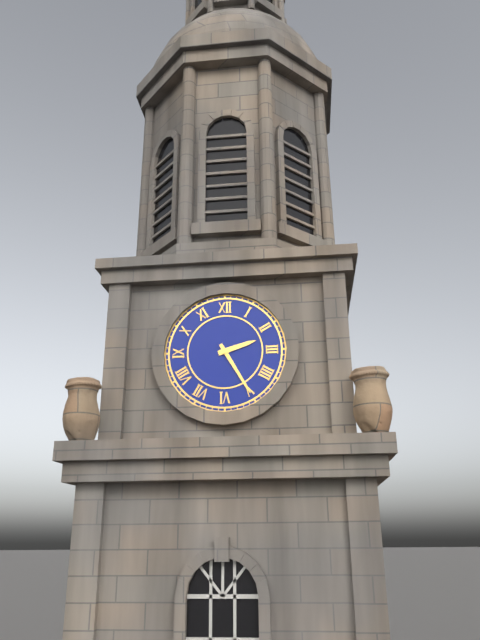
2,25
